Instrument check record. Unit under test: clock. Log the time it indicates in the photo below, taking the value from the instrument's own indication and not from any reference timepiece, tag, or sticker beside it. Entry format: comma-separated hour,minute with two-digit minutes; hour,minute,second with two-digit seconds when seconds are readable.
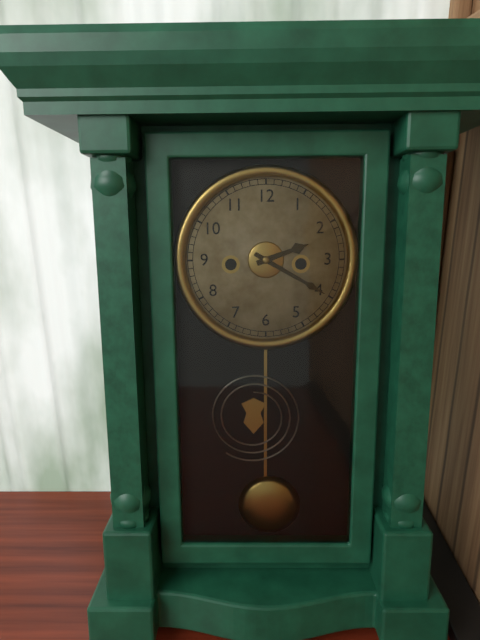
2,20
